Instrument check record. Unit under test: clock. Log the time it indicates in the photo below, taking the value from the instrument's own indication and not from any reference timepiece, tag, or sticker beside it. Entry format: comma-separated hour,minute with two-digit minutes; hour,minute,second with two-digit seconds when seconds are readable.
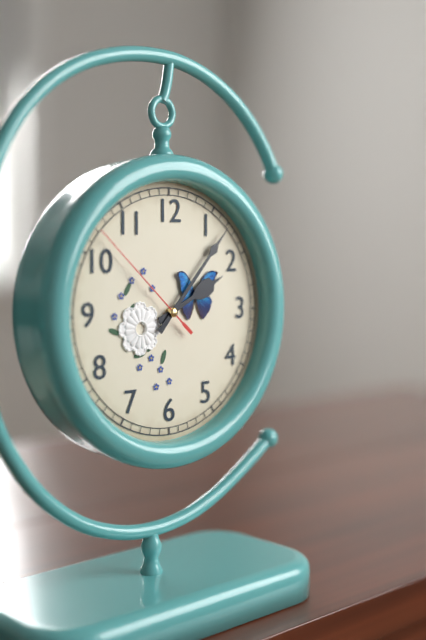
2,07,52
